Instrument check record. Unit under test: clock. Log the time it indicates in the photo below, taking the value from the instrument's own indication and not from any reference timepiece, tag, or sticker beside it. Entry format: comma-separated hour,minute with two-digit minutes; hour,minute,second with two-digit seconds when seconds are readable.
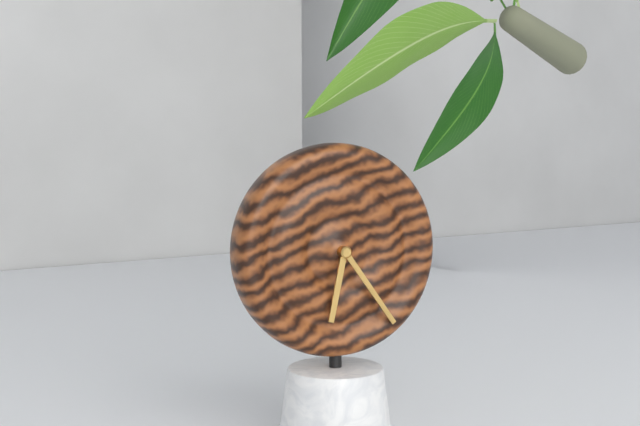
6,24
